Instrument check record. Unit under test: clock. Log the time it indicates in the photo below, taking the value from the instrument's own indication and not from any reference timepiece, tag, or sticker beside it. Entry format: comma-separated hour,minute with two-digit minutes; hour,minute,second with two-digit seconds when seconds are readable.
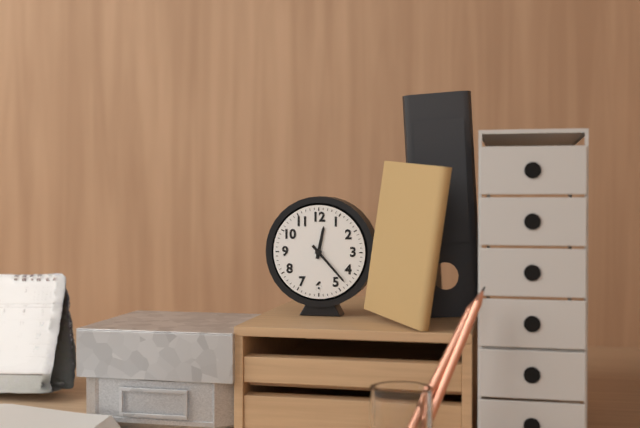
12,23
